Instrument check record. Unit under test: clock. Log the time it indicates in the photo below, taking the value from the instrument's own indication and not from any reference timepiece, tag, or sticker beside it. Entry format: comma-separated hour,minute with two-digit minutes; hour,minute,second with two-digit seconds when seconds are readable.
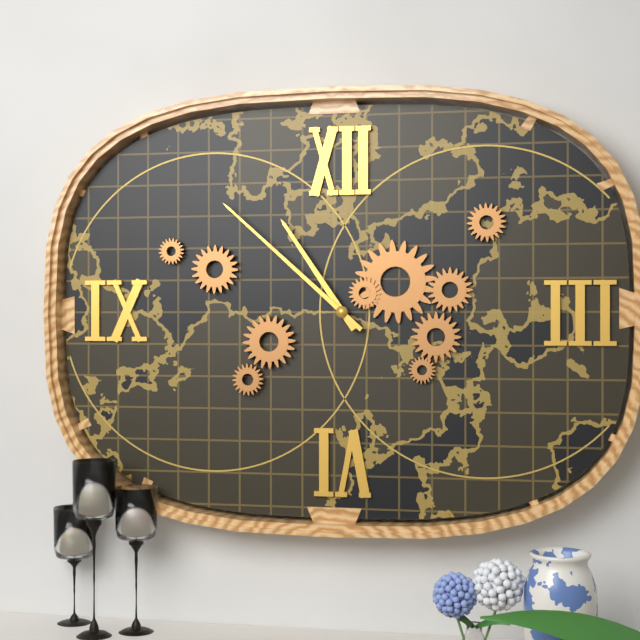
10,52
